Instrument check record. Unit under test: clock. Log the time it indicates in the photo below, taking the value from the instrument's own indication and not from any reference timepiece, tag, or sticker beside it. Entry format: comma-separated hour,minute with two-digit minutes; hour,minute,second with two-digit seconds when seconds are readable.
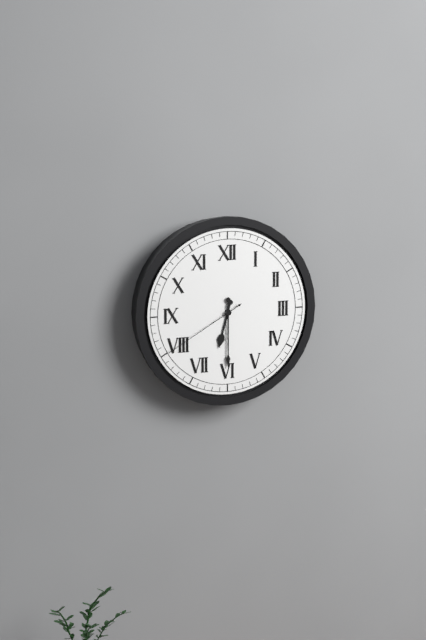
6,30,40
